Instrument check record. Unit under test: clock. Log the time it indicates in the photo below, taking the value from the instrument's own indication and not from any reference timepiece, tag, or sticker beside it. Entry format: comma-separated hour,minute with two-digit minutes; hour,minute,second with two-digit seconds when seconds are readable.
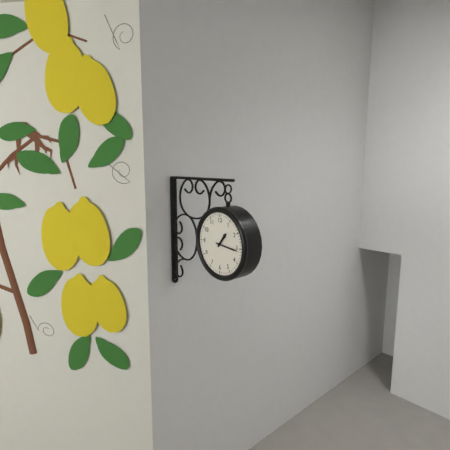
1,16
